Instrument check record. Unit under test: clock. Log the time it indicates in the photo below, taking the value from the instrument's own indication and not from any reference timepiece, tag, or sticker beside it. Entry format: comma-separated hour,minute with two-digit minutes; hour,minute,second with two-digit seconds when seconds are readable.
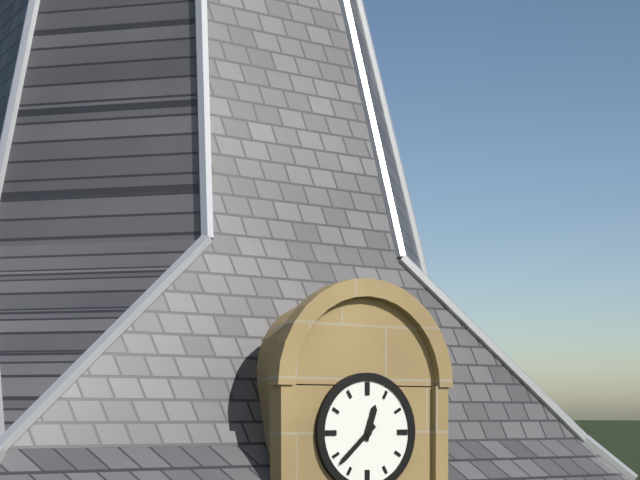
12,38
